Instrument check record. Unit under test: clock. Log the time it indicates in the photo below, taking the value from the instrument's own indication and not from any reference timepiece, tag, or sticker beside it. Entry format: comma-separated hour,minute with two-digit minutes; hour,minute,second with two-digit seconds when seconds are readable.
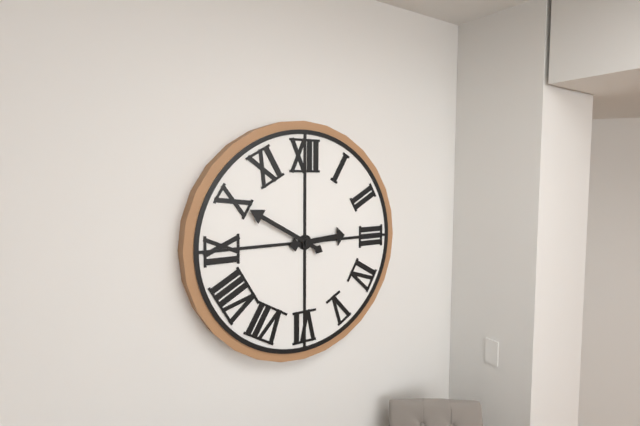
2,50
